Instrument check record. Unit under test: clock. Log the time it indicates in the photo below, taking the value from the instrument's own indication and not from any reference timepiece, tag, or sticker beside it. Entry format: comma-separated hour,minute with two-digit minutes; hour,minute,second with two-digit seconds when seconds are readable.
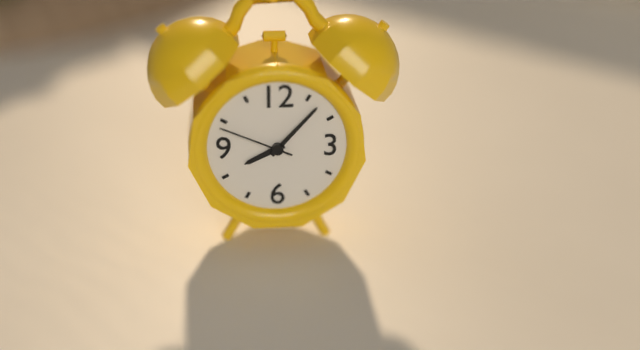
8,07,49
